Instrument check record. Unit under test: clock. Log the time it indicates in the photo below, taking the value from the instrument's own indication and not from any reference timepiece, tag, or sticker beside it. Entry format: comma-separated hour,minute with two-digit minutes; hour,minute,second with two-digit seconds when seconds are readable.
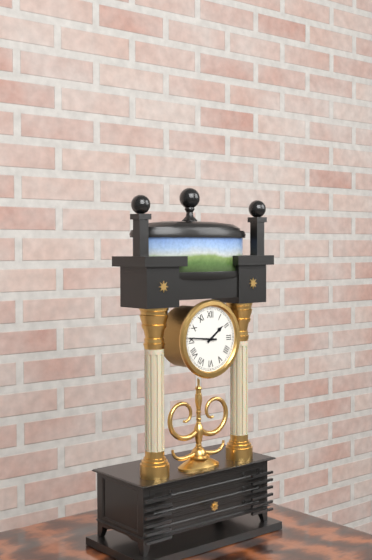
1,46
